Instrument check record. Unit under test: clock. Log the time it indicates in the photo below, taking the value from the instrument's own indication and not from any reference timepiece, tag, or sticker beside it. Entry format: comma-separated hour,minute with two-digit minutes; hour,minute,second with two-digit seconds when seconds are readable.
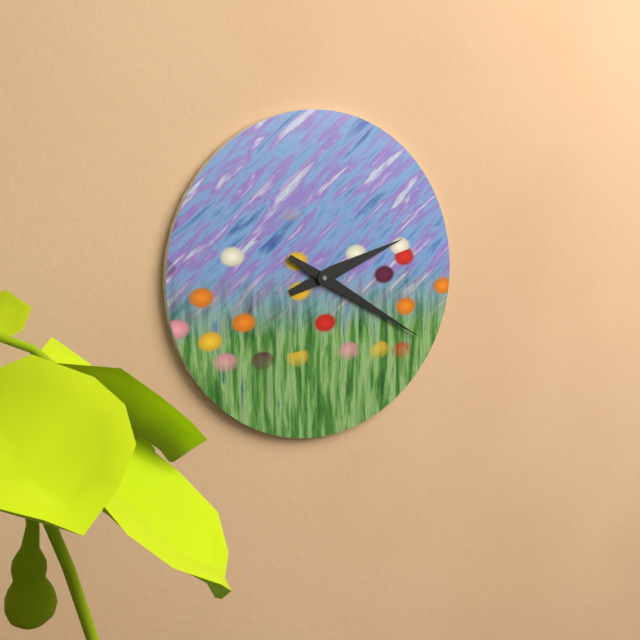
2,20
